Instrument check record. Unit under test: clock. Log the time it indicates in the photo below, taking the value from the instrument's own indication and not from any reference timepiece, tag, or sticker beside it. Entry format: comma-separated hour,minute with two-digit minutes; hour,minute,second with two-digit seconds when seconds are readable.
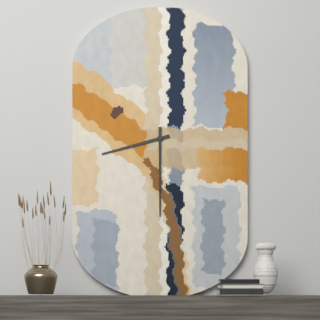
8,30
